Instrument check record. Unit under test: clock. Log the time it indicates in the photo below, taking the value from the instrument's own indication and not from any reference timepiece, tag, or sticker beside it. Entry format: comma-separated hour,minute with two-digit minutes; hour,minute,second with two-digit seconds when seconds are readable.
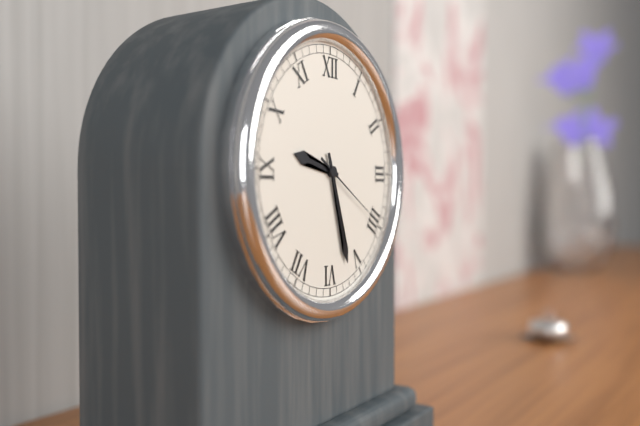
9,27,20
